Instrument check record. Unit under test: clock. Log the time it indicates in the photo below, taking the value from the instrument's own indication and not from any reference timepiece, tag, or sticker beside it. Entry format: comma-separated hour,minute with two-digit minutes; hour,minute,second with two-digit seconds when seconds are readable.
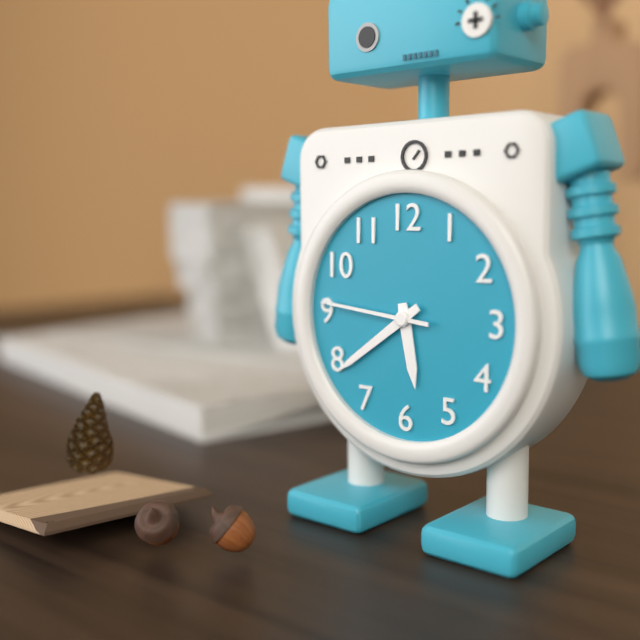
5,39,46
